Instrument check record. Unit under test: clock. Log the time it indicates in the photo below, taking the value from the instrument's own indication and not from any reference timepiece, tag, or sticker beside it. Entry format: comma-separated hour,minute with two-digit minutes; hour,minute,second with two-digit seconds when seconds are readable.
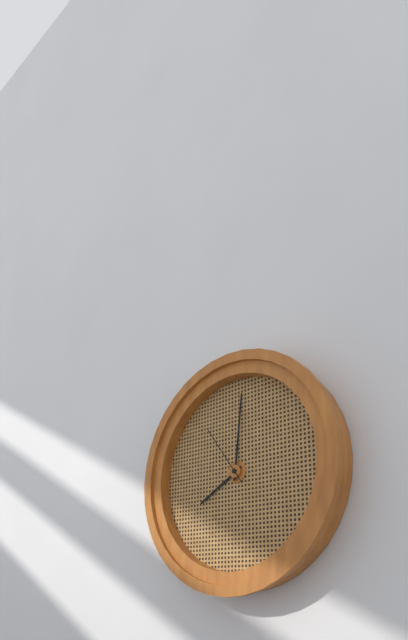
8,01,54
